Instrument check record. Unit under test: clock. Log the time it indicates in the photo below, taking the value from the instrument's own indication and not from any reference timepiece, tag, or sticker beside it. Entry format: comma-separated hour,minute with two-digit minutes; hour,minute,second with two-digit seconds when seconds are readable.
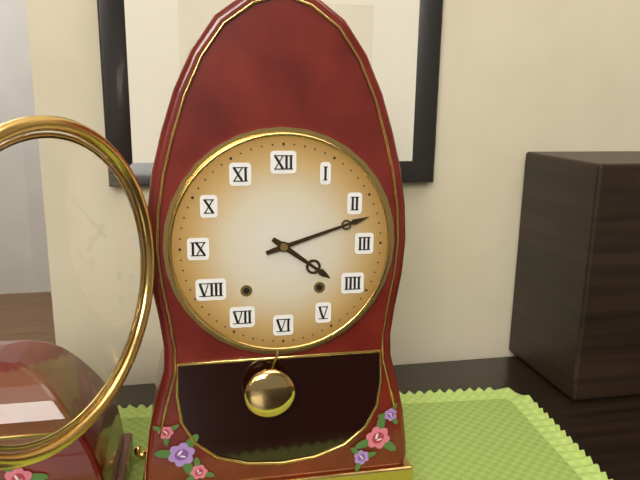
4,12
